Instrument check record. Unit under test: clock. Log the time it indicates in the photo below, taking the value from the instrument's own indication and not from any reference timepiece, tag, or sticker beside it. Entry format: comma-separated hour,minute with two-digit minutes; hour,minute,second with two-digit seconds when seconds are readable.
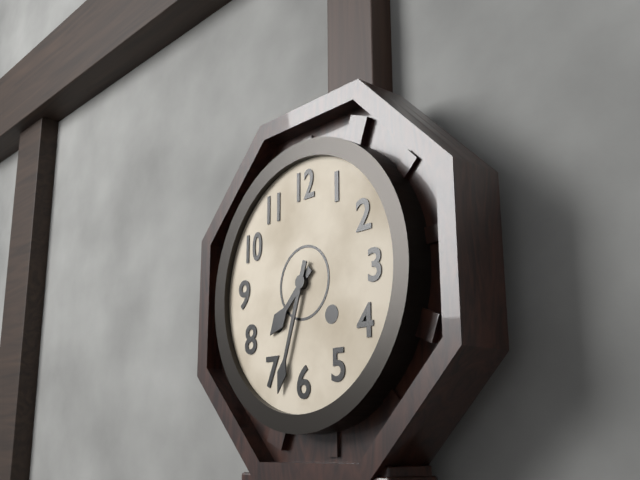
7,33
